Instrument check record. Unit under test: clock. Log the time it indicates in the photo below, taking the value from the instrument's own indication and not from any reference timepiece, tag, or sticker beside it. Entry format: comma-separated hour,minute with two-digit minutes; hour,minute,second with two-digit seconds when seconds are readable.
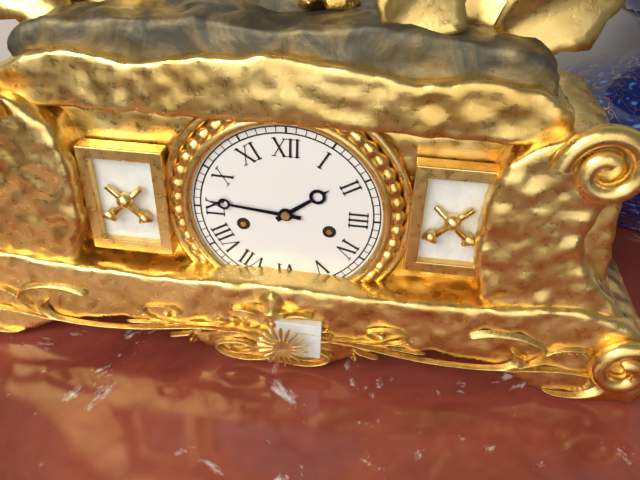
1,46
